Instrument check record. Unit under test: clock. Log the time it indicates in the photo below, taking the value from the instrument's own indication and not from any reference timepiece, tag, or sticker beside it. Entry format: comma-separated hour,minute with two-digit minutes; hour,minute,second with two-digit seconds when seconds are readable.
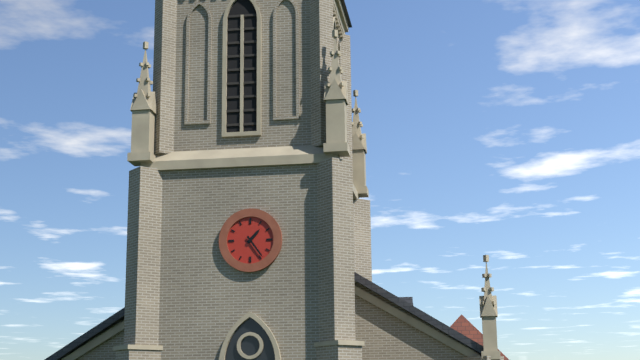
1,24
